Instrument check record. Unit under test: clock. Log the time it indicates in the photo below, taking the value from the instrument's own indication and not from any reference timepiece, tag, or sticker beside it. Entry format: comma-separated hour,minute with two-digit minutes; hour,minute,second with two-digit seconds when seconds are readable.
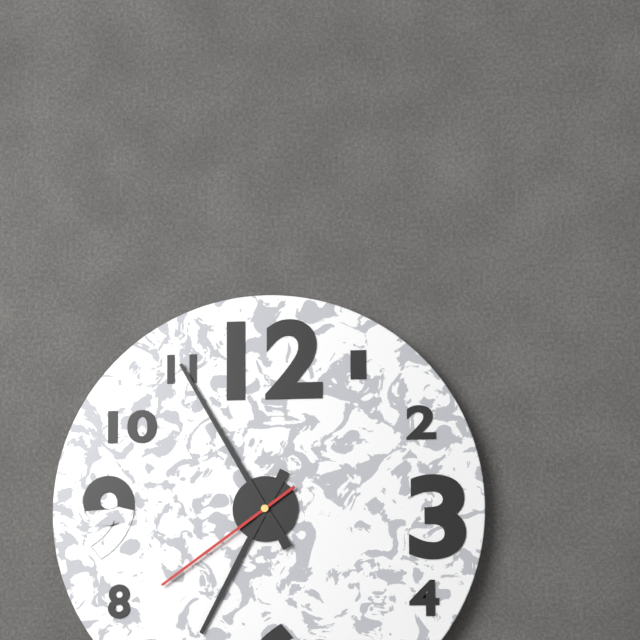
6,55,39
